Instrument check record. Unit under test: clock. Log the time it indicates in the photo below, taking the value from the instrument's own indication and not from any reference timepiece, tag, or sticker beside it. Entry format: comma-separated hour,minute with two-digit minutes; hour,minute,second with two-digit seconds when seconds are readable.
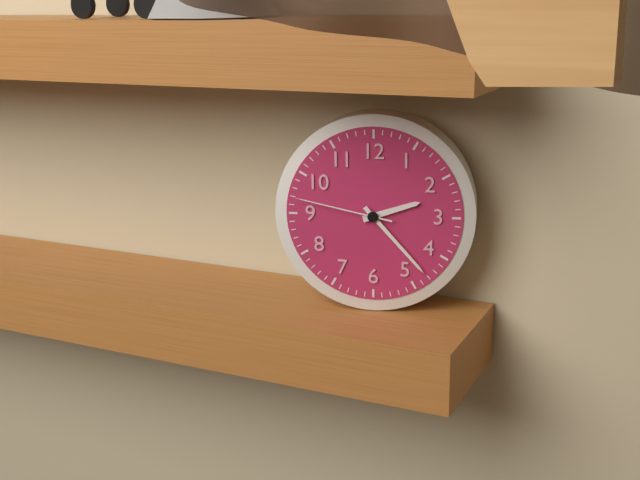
2,23,47
